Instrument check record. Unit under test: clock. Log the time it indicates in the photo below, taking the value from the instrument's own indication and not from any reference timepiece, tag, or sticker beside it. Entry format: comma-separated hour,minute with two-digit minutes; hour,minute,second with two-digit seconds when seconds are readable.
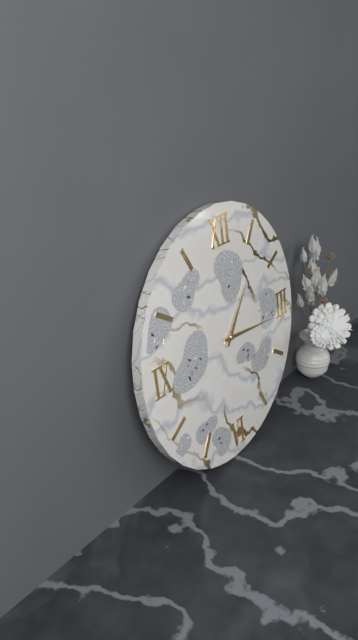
1,16
